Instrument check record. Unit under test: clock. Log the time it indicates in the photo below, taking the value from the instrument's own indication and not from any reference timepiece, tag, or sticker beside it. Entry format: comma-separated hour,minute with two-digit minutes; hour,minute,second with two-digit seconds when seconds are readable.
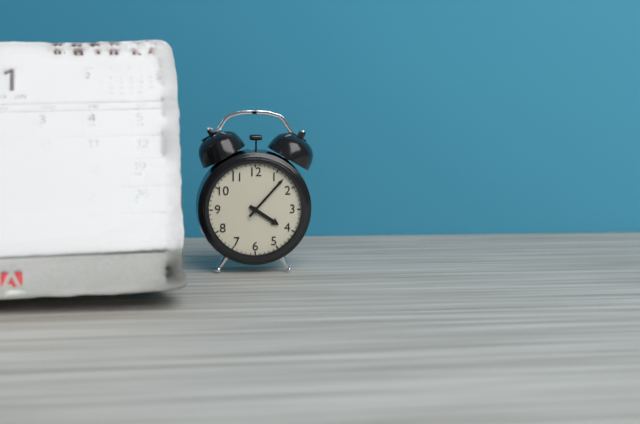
4,07
